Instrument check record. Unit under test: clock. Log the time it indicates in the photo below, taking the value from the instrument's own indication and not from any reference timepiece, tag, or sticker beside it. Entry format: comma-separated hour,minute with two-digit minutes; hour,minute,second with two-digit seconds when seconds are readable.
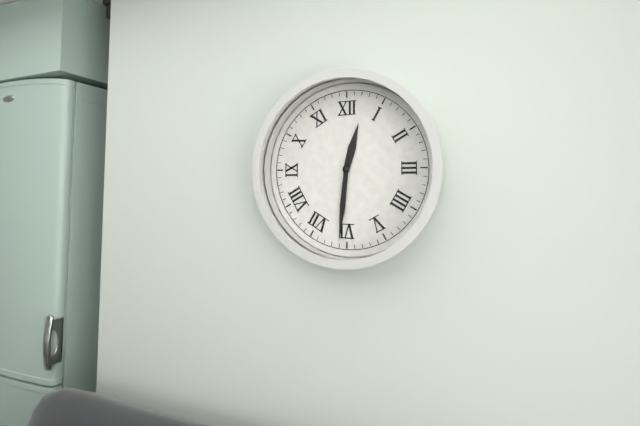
12,31
